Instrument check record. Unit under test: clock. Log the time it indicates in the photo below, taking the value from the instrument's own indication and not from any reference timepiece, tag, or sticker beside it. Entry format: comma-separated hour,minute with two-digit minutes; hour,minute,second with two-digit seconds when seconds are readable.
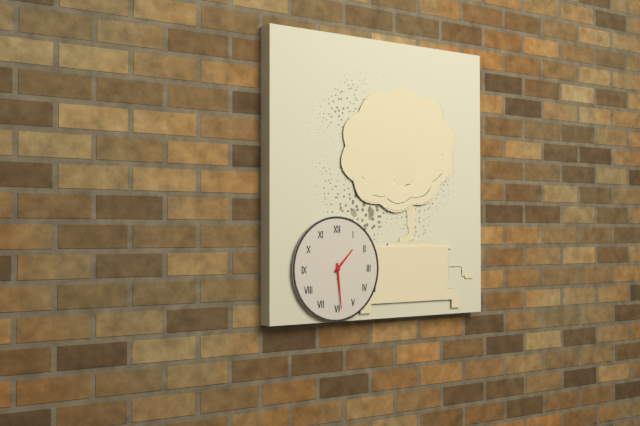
1,29
